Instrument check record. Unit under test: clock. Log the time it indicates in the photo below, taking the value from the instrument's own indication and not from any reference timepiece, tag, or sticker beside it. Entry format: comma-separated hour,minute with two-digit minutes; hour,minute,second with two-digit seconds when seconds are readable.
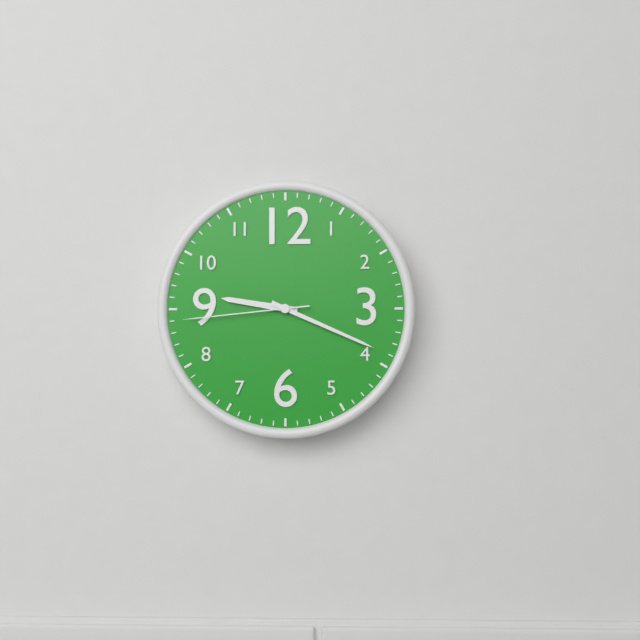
9,19,44
